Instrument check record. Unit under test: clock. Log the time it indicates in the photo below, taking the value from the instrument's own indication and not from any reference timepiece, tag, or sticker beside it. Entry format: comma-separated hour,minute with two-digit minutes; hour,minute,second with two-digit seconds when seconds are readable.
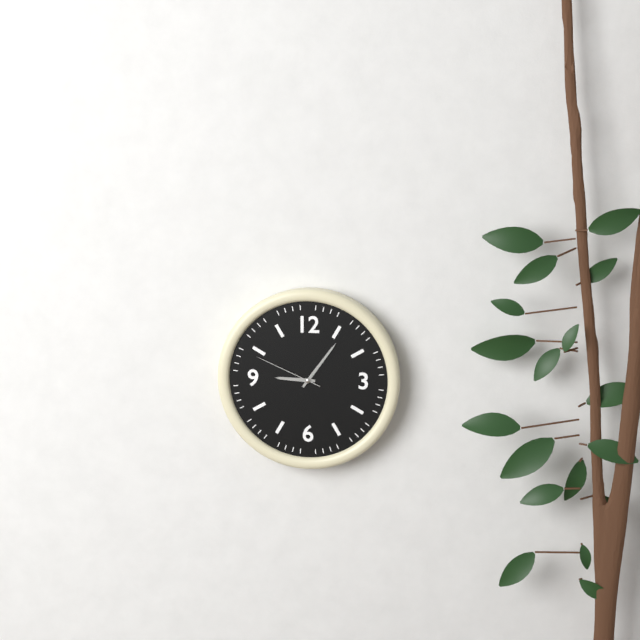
9,06,49
